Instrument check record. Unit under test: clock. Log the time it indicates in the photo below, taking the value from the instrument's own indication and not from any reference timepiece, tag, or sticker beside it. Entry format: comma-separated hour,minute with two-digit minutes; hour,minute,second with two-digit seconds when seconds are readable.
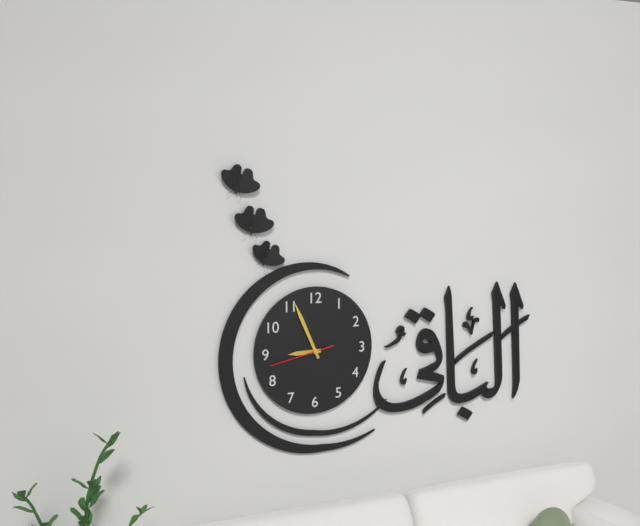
8,56,43
